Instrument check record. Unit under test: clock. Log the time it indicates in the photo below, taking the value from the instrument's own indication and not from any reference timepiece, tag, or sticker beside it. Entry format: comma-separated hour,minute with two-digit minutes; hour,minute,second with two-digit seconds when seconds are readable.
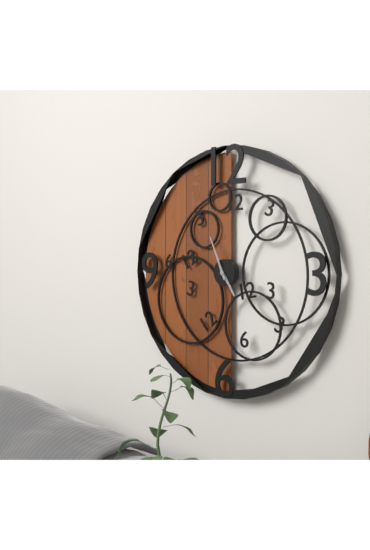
4,56
